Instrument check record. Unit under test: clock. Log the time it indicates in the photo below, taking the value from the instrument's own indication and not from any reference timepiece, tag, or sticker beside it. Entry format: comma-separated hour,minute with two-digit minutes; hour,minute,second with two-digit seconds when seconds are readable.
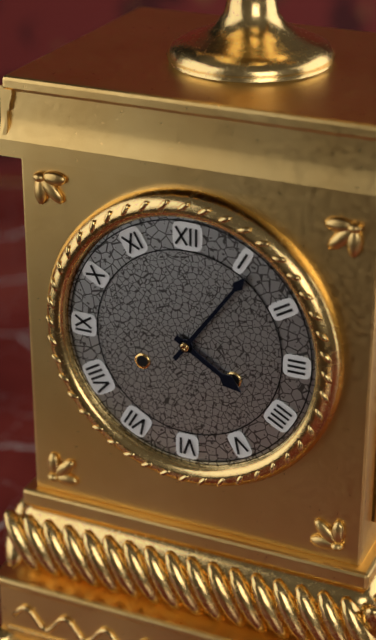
4,06
